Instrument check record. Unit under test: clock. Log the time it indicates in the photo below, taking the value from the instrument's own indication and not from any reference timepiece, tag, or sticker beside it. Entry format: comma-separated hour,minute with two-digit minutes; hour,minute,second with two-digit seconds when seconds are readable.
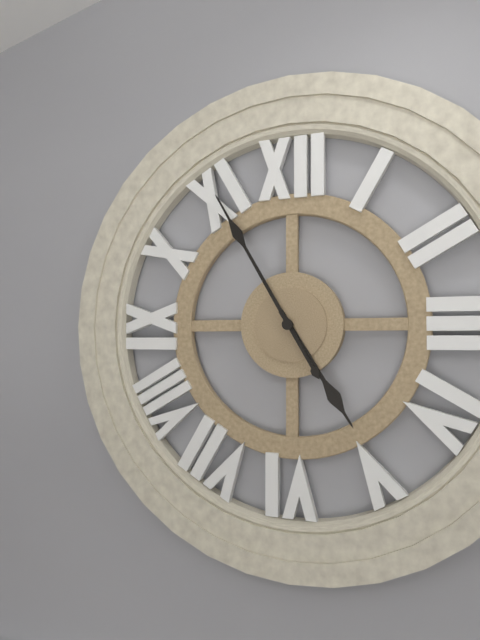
4,55
